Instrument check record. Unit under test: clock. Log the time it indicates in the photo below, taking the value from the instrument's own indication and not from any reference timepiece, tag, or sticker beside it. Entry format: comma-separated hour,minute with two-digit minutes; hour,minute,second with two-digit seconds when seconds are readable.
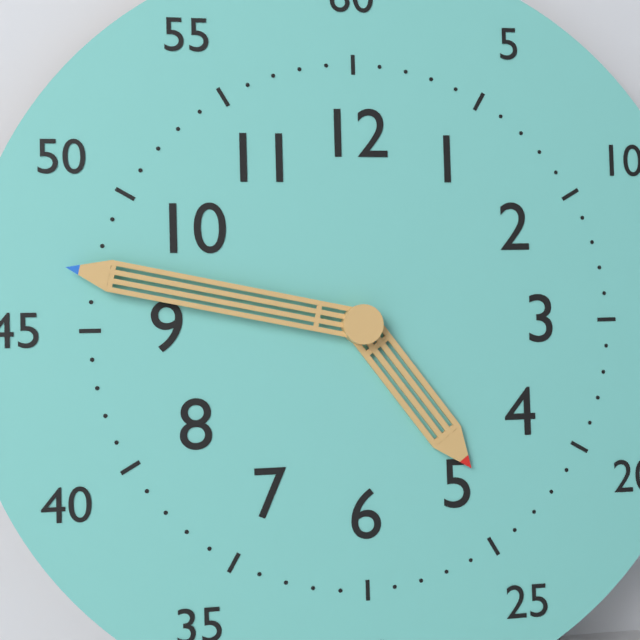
4,47
